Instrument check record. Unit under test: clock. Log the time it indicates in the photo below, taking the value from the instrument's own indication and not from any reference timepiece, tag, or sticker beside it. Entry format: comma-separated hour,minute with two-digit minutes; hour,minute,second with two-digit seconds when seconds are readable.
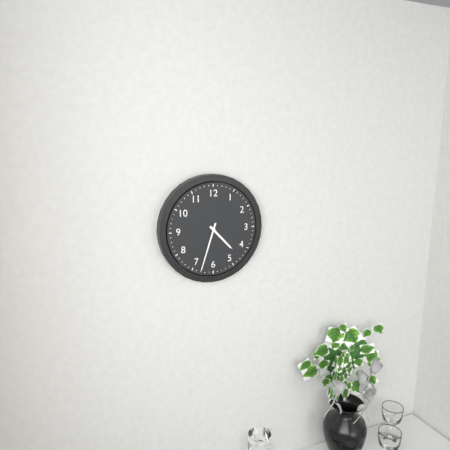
4,33
